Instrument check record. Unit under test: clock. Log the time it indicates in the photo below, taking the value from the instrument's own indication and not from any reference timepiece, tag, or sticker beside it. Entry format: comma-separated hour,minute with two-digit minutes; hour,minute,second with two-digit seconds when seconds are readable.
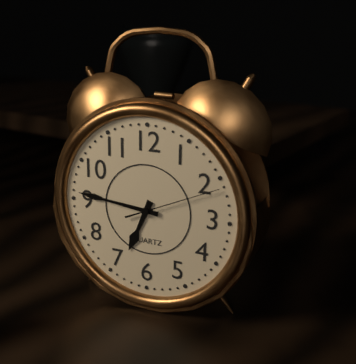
6,46,11
